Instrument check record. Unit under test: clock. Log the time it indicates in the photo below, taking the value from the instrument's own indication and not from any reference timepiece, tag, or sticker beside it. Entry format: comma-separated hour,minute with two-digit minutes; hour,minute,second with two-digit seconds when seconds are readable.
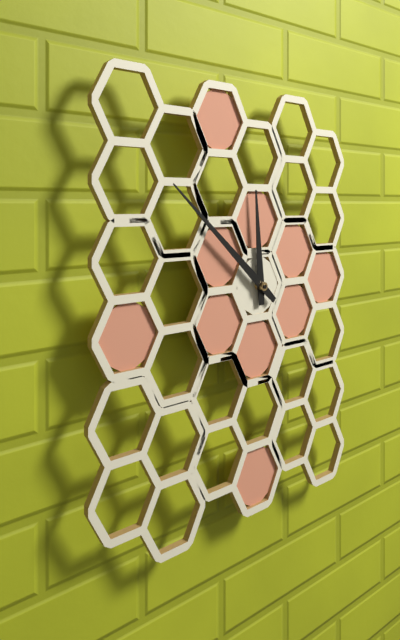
11,52
